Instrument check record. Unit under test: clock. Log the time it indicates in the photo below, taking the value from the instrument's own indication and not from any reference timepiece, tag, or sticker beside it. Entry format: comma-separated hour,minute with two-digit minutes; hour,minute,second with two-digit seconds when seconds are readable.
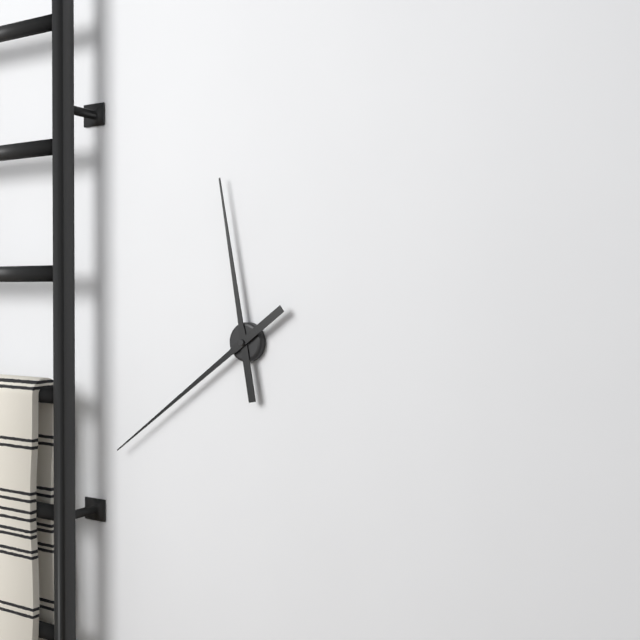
11,39
